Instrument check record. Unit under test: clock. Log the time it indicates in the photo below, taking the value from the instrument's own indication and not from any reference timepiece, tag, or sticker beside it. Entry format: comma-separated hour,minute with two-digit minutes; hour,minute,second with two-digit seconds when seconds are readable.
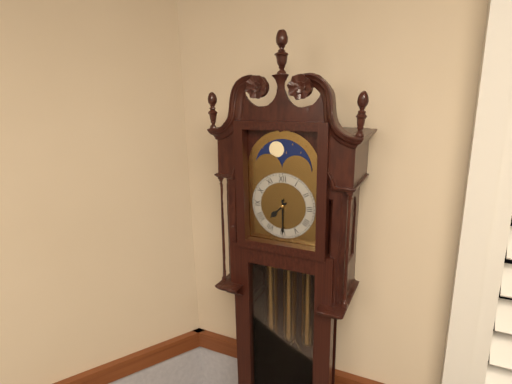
7,30
